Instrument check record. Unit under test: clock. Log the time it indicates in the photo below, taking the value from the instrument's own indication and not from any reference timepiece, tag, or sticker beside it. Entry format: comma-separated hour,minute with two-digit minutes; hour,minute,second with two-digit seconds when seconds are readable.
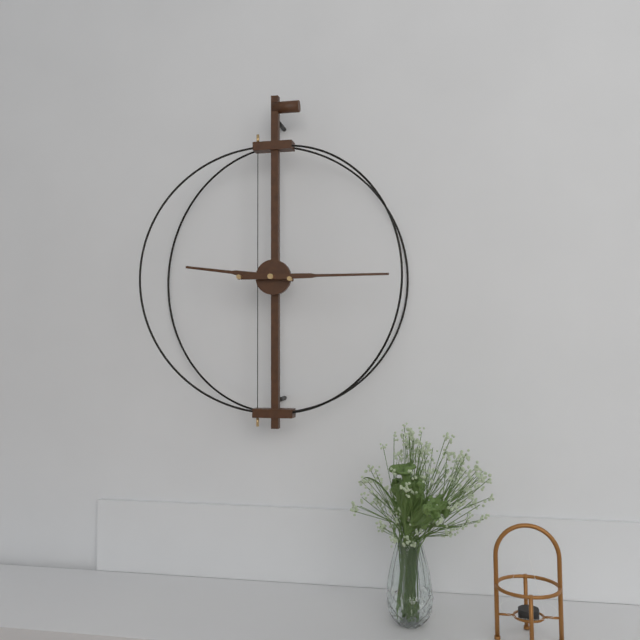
9,15
